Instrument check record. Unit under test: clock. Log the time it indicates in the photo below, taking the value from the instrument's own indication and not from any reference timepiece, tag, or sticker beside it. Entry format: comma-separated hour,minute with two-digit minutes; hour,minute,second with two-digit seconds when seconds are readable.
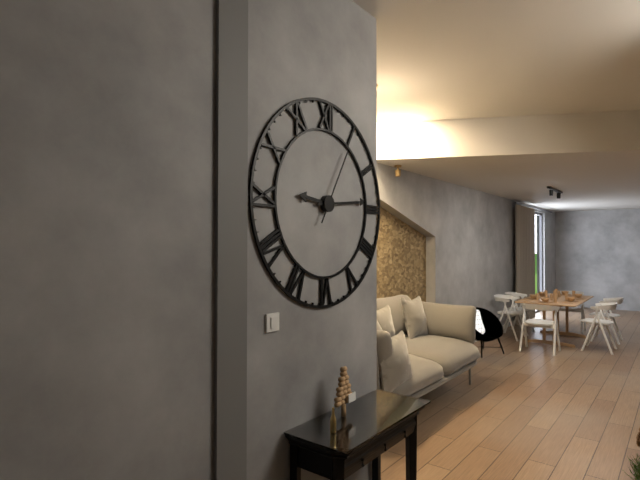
9,14,05
